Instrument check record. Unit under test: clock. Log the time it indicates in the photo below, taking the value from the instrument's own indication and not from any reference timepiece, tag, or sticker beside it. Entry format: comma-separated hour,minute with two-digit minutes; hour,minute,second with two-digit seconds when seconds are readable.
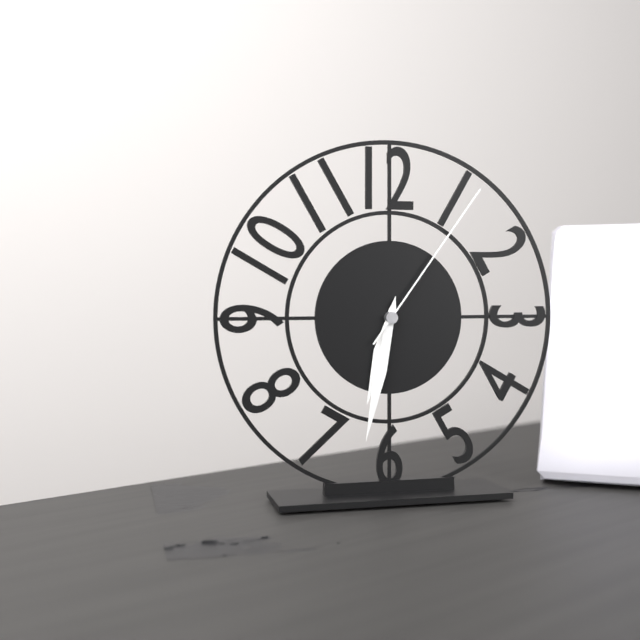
6,32,06
